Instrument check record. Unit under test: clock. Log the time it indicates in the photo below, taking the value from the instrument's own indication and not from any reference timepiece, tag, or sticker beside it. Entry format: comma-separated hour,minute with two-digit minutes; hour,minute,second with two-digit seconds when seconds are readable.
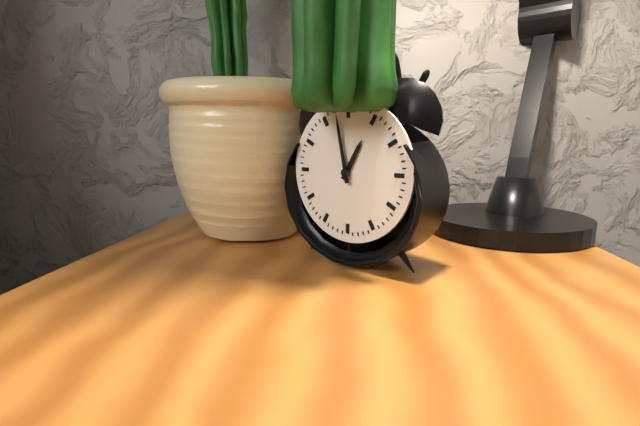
12,58
